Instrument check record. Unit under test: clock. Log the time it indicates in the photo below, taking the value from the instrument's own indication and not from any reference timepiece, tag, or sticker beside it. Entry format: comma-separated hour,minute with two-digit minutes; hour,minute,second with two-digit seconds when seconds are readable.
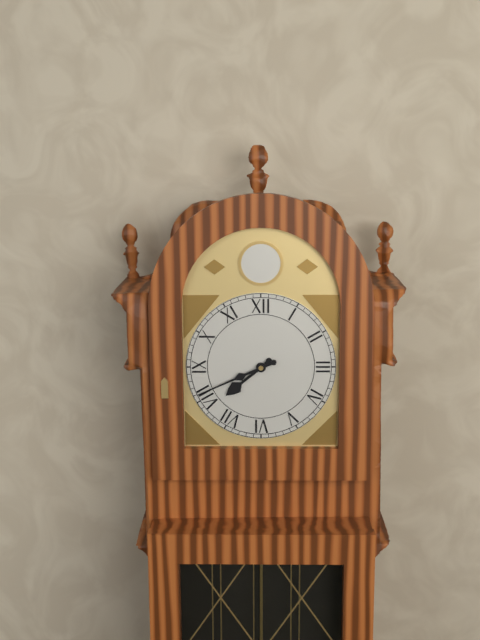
7,41
